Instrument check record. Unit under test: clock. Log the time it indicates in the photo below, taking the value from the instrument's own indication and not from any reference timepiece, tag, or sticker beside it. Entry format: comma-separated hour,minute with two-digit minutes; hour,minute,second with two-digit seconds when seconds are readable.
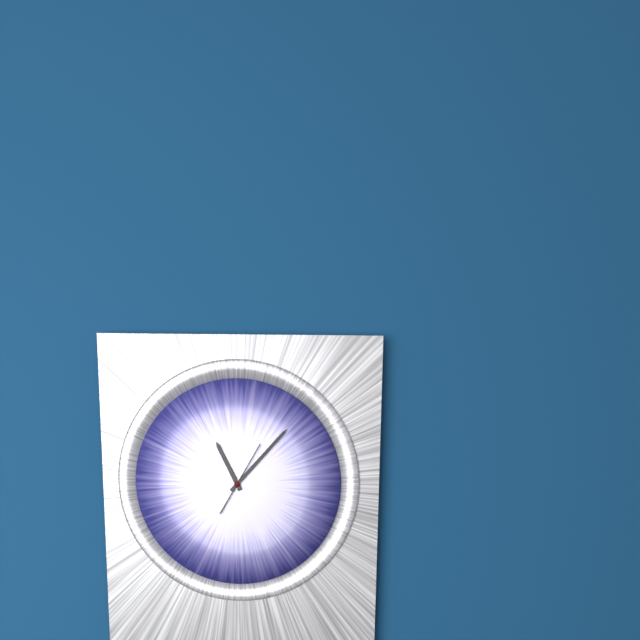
11,07,05
